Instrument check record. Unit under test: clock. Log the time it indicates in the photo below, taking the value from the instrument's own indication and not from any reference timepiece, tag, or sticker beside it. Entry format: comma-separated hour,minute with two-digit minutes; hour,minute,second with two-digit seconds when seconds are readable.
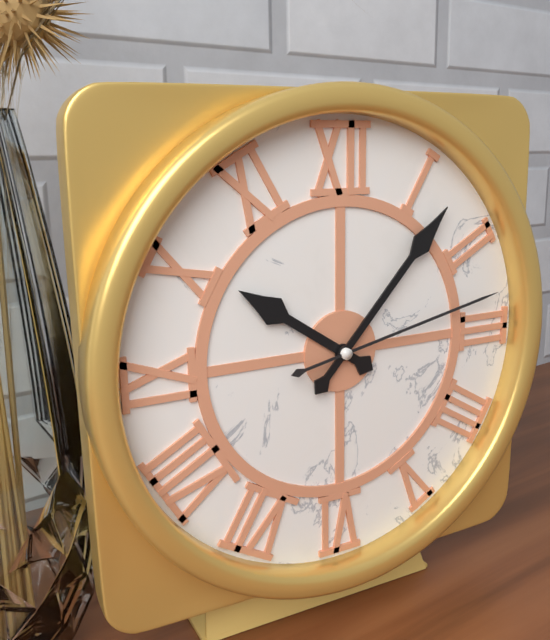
10,07,13
